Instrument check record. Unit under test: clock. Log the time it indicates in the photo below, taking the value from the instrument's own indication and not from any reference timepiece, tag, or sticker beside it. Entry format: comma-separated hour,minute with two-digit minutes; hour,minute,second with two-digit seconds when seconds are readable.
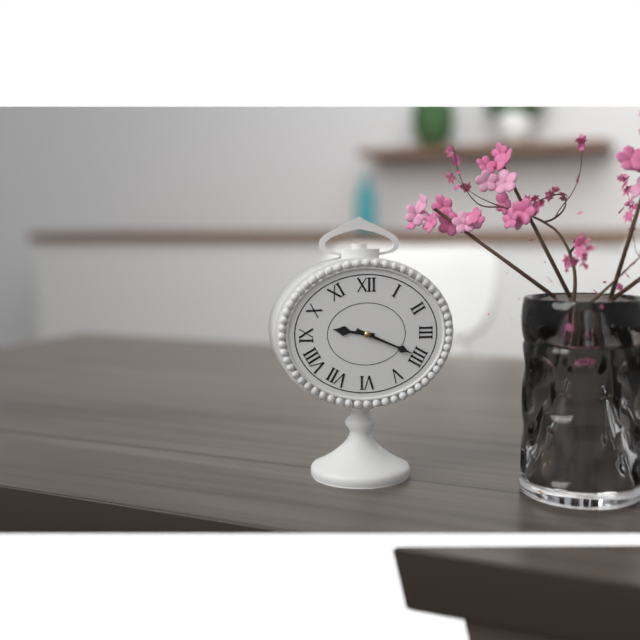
9,19
